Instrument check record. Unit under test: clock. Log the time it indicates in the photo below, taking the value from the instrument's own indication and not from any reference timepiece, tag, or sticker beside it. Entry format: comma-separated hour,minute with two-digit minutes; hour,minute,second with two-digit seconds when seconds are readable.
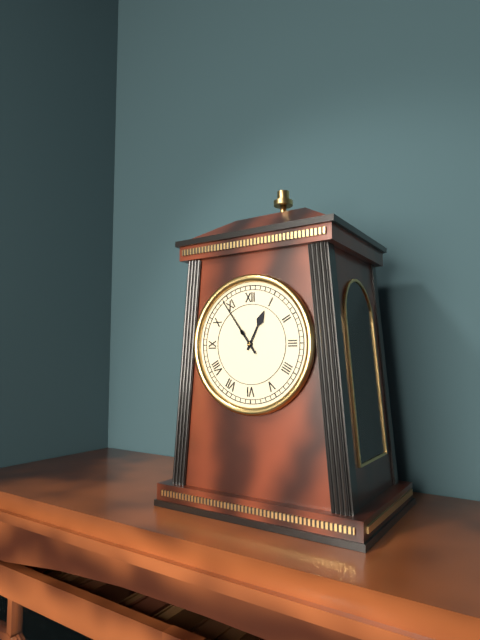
12,54
